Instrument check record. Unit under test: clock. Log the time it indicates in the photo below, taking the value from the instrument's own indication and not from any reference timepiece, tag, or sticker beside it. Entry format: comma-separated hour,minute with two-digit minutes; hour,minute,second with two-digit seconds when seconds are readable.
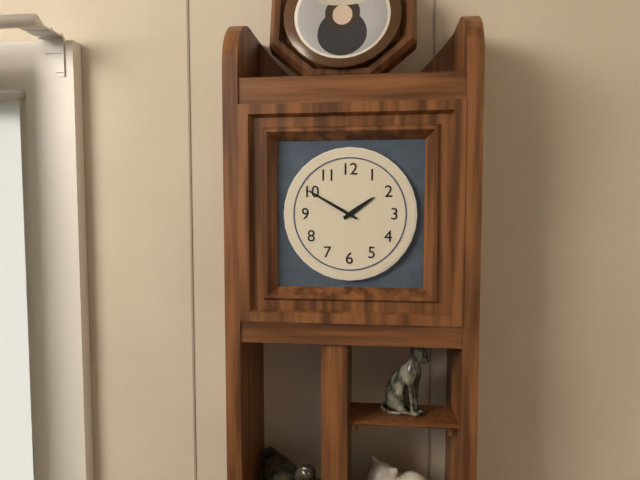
1,50
